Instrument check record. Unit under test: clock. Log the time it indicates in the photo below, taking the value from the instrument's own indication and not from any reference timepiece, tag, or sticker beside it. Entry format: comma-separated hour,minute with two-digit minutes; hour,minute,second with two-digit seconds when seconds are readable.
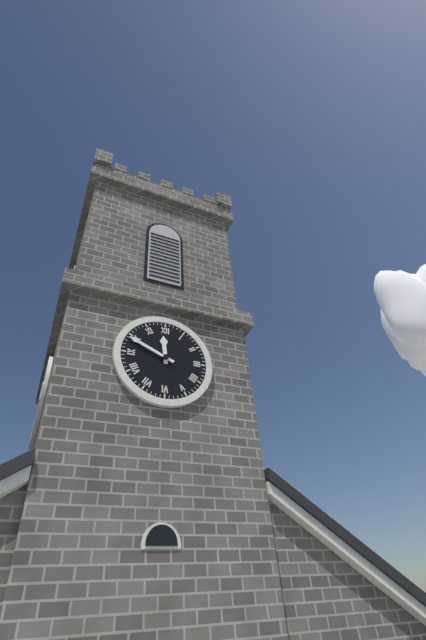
11,49
